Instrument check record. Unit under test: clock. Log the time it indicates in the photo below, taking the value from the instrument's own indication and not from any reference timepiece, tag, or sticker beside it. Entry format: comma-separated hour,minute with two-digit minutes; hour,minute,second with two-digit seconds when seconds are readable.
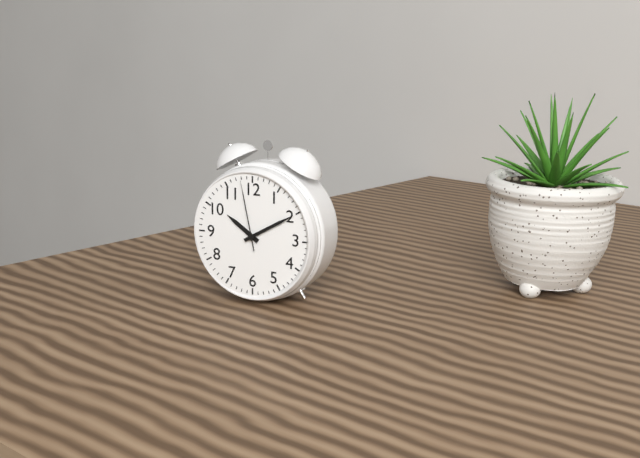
10,10,58
